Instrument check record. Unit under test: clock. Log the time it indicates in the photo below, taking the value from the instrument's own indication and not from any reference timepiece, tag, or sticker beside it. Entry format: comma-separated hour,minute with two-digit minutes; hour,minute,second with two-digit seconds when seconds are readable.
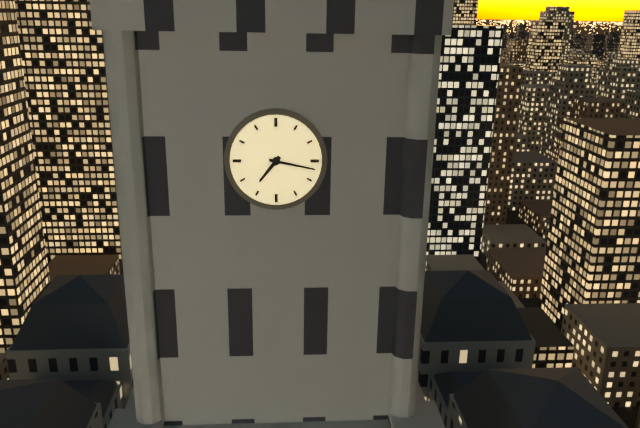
7,17
